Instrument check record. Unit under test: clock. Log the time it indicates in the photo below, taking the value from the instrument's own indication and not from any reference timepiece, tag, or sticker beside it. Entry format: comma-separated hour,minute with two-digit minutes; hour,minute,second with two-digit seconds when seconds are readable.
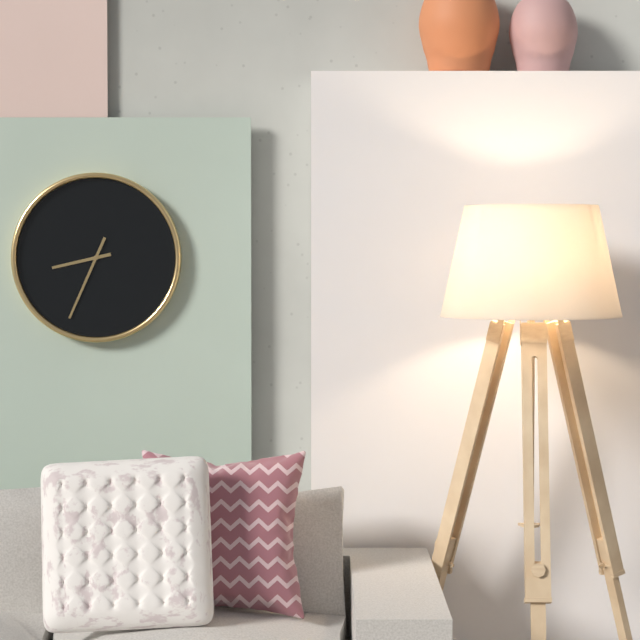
8,34
